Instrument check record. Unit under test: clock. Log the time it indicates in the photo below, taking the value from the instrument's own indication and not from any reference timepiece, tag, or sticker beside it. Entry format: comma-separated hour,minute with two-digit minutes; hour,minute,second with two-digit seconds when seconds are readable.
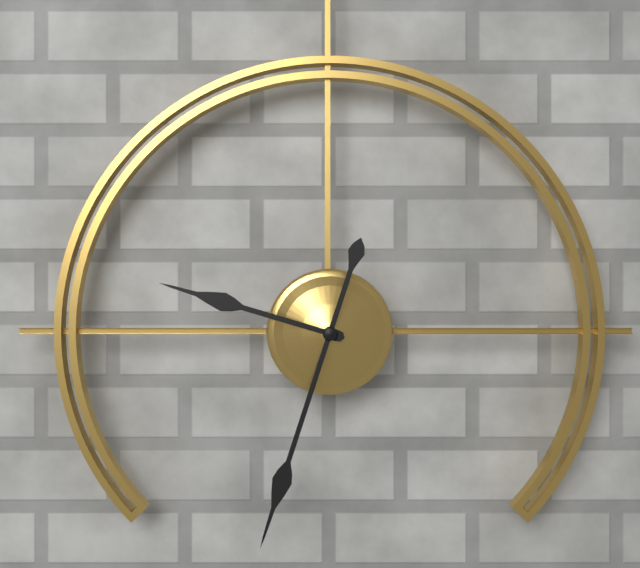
9,33
